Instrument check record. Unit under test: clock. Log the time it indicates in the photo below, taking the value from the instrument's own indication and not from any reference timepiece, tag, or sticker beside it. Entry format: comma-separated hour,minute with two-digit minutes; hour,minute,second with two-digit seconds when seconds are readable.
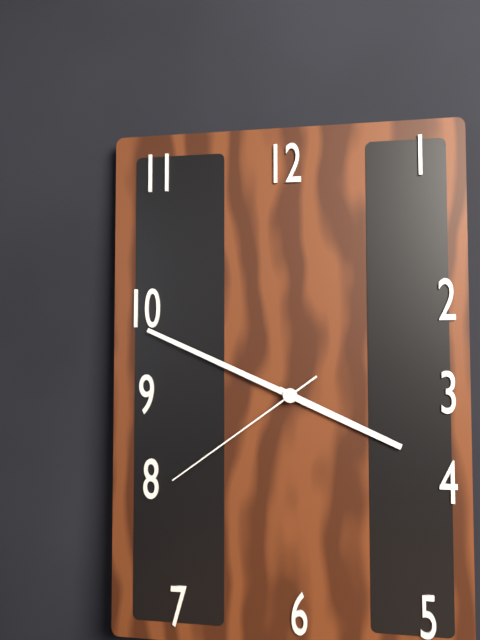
3,49,39
